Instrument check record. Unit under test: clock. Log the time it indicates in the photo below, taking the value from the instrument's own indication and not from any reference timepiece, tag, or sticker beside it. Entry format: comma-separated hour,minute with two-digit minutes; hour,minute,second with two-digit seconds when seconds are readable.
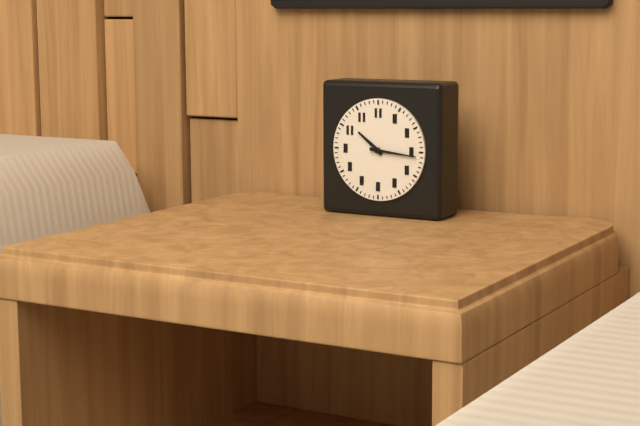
10,16
